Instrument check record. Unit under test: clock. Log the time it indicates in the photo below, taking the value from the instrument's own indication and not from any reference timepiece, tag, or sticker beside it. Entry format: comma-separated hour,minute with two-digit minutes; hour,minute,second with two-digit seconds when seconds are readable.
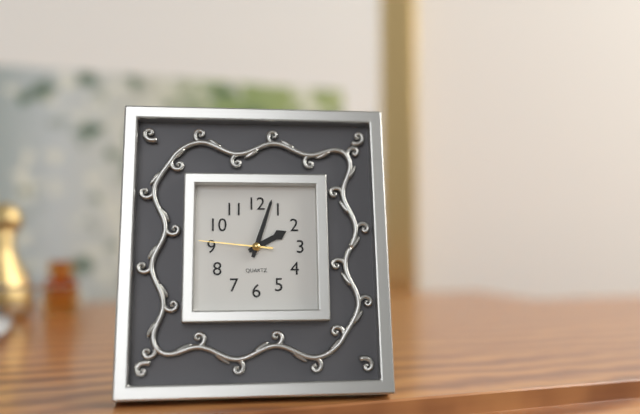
2,03,46
